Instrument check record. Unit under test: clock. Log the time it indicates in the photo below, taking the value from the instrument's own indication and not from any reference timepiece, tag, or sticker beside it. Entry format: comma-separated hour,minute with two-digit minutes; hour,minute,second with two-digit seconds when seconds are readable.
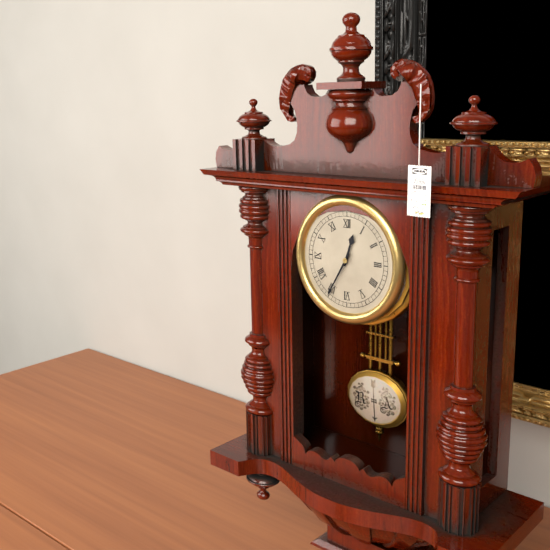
12,35
